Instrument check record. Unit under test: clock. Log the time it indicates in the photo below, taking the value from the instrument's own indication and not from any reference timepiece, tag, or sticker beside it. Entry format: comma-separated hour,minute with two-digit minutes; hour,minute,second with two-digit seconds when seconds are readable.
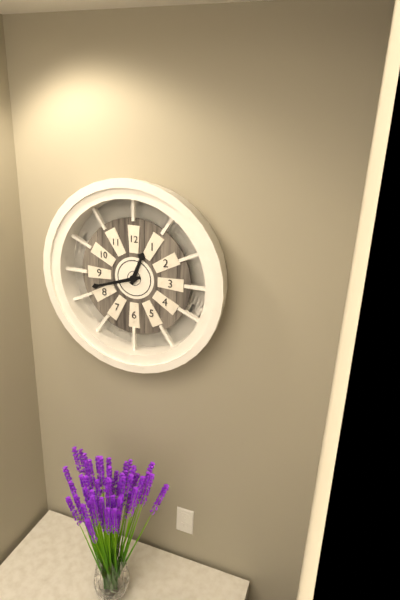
12,42
